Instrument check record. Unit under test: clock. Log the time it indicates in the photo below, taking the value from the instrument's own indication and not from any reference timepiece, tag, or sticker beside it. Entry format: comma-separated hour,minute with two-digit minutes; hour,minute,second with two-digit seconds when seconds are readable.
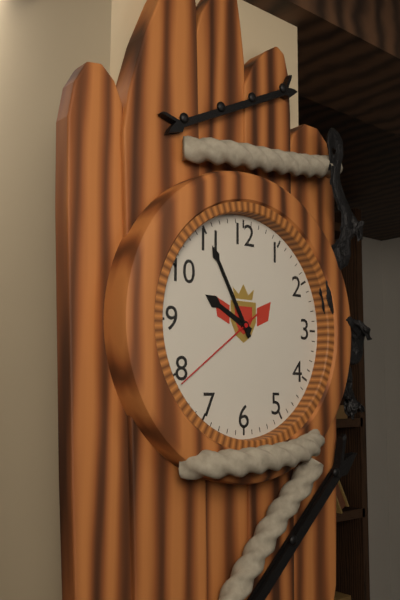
9,55,39
